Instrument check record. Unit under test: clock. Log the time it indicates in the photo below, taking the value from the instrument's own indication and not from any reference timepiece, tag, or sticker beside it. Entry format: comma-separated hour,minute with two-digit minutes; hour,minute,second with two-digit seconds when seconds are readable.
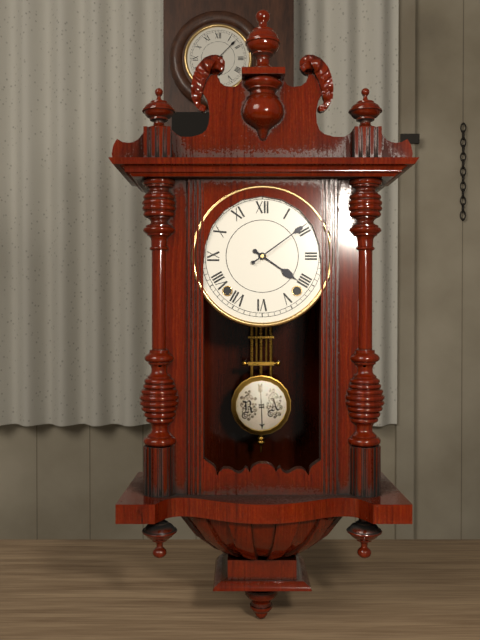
4,09
